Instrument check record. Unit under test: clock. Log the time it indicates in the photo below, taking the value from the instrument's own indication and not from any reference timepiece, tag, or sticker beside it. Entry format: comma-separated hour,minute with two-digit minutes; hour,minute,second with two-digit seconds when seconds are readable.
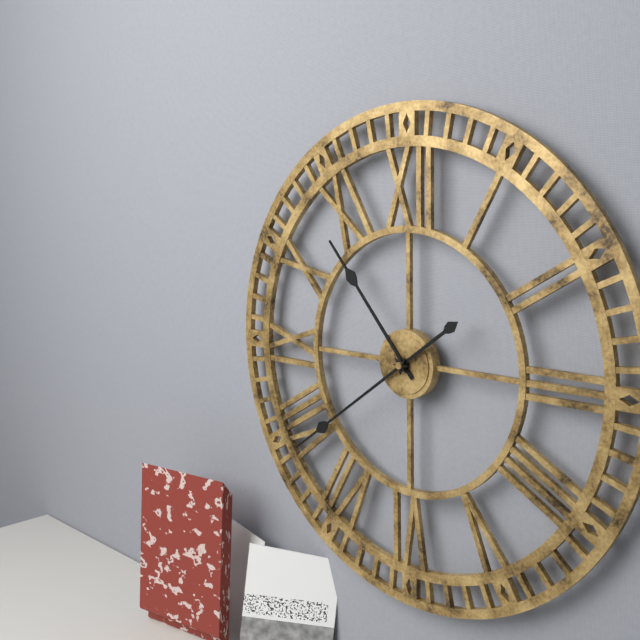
10,39
